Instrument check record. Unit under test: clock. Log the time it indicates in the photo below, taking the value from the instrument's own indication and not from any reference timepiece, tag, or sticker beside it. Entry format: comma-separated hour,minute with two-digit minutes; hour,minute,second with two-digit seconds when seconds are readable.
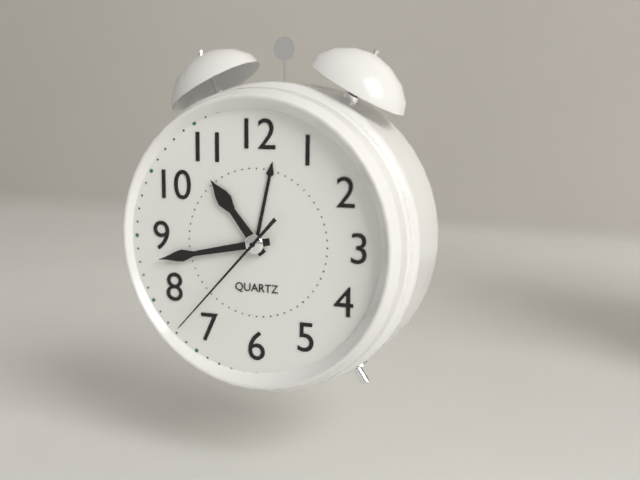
10,43,37
